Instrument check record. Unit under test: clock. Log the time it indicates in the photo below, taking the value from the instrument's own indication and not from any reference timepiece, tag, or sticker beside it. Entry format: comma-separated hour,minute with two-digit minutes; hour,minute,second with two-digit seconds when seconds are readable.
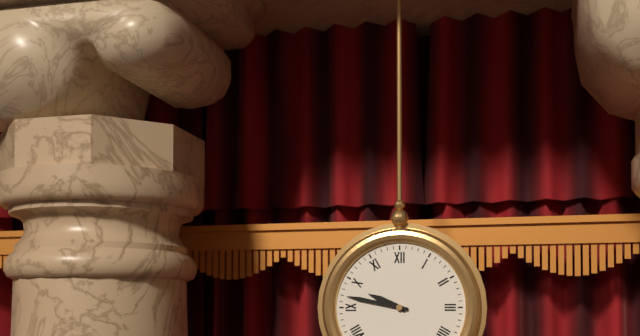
9,47
